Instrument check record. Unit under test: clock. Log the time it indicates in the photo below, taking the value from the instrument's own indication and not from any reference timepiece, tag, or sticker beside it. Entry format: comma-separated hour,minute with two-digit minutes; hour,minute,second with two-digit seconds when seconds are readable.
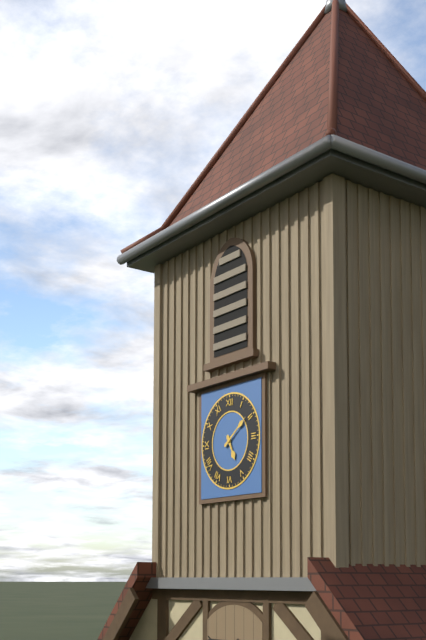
5,09
